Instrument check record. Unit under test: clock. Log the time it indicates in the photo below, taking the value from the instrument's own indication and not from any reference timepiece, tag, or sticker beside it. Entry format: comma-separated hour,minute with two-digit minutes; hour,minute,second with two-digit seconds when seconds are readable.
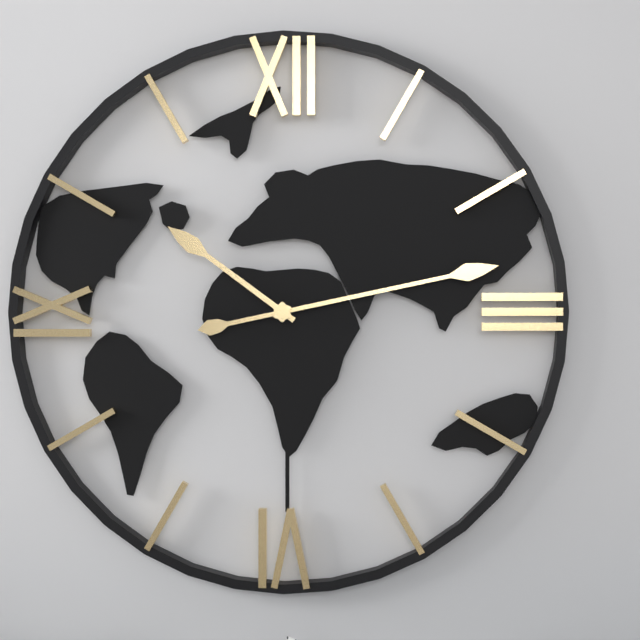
10,13
